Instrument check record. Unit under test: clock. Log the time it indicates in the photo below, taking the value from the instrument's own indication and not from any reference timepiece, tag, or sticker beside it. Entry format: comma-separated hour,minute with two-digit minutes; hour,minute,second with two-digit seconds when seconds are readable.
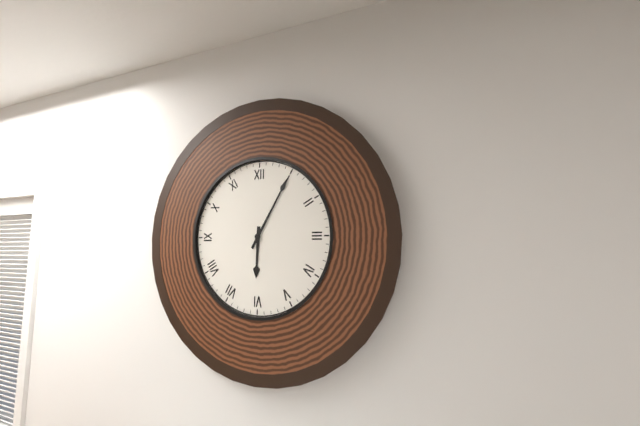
6,05
